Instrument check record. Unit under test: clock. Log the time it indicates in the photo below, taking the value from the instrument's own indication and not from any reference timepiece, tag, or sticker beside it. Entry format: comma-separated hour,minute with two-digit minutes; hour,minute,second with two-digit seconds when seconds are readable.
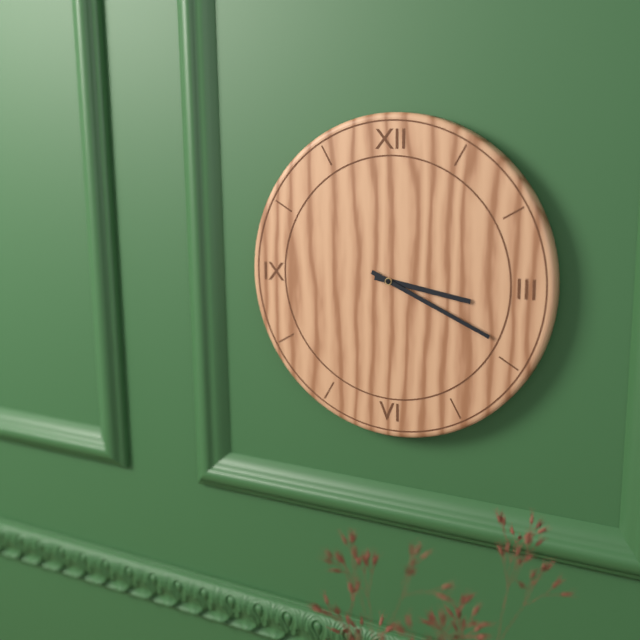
3,19
